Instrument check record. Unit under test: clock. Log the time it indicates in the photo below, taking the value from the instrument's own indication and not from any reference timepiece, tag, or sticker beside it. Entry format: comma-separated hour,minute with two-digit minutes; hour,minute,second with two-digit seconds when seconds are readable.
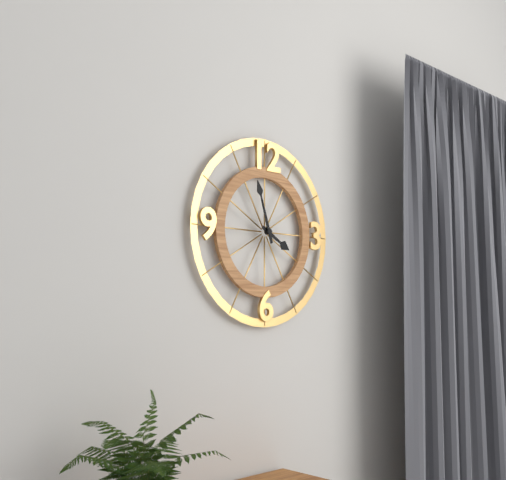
3,57
